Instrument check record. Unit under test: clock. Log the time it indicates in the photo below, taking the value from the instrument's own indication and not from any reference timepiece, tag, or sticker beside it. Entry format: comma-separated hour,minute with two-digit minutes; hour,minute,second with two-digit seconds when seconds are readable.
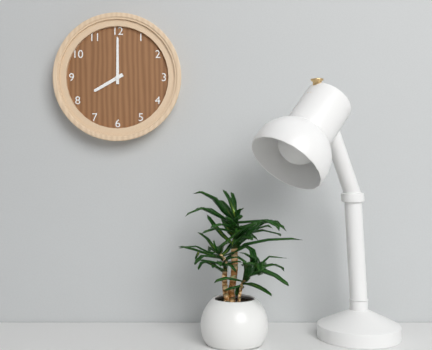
8,00
